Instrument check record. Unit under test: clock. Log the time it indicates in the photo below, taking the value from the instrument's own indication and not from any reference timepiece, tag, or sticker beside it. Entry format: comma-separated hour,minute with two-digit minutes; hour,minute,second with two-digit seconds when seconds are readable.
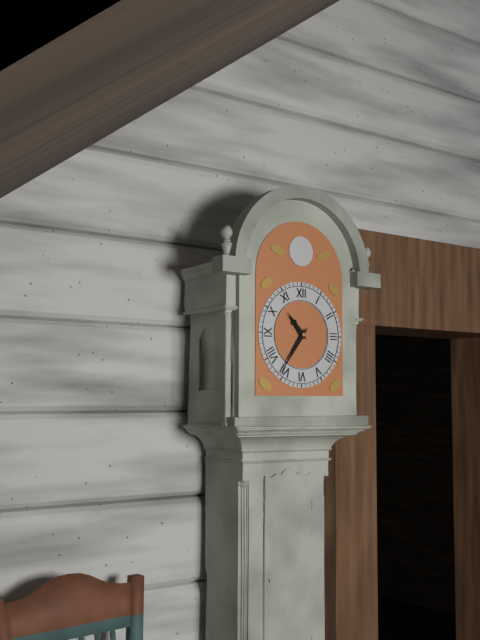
10,36
